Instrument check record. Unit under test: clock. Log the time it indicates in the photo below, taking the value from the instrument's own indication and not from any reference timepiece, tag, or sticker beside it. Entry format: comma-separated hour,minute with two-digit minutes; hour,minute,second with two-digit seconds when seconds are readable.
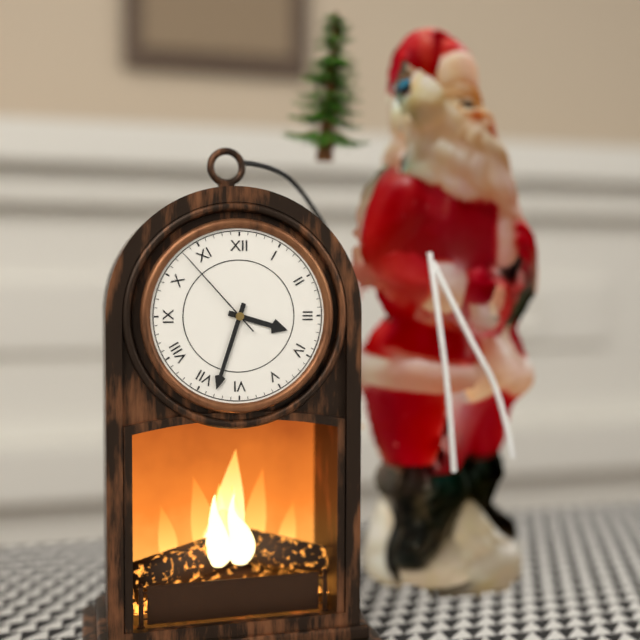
3,33,53
